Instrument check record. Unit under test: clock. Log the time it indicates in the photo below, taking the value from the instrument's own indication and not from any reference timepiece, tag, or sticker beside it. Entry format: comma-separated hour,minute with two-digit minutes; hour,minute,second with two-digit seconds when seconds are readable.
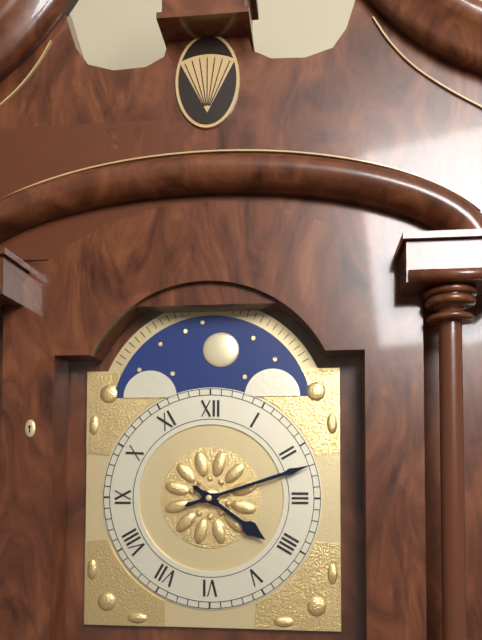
4,12
